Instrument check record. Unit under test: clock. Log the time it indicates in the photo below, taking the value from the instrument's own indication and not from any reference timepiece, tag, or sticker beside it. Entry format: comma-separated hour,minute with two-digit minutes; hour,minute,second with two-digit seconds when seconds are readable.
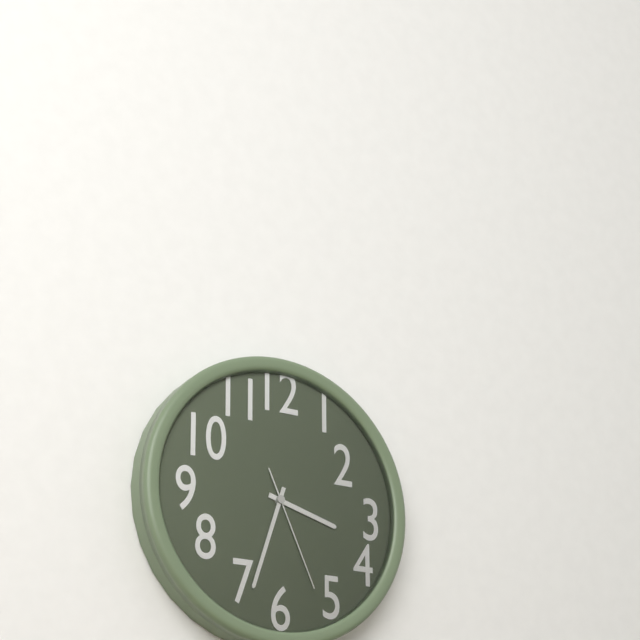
3,33,26
